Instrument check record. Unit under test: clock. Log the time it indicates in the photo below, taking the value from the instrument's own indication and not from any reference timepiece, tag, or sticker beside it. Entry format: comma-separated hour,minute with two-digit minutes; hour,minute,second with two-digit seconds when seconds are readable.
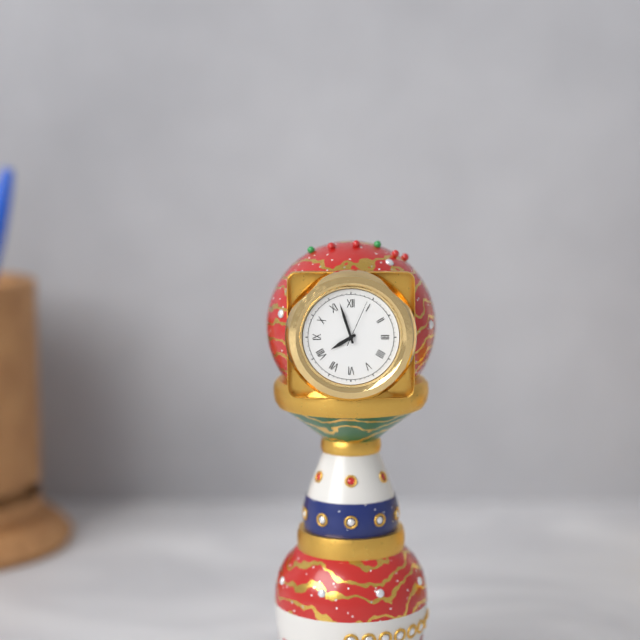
7,57
